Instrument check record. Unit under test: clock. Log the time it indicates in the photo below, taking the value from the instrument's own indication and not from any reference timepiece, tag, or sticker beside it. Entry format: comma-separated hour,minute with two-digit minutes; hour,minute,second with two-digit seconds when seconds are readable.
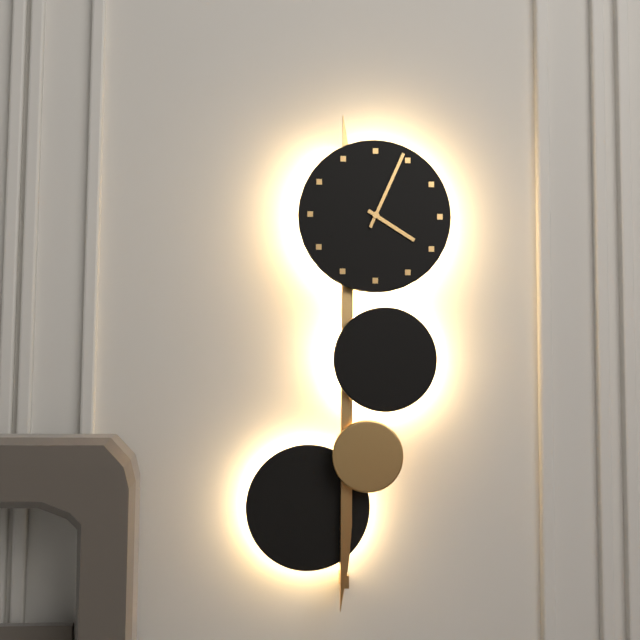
4,04
